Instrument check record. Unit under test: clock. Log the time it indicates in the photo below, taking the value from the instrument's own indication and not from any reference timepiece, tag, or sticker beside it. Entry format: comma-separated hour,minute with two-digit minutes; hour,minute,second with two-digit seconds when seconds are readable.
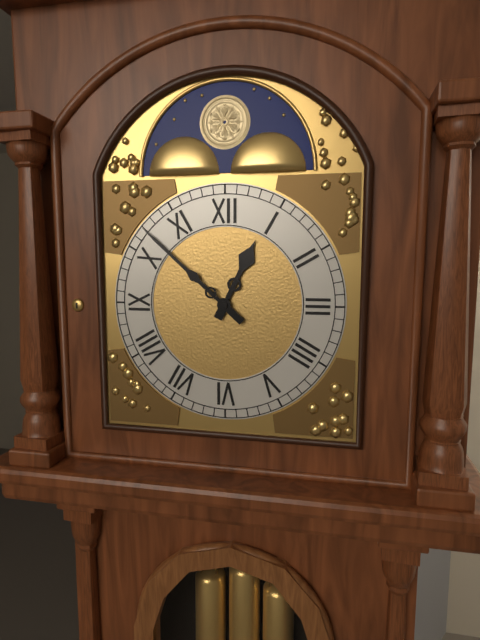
12,52
